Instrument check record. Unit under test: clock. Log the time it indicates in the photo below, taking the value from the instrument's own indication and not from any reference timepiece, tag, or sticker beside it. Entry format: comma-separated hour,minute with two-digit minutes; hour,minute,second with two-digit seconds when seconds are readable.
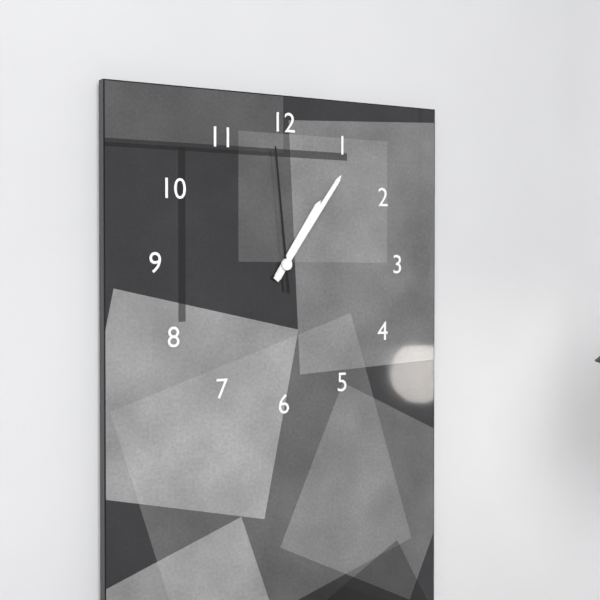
1,06,59
